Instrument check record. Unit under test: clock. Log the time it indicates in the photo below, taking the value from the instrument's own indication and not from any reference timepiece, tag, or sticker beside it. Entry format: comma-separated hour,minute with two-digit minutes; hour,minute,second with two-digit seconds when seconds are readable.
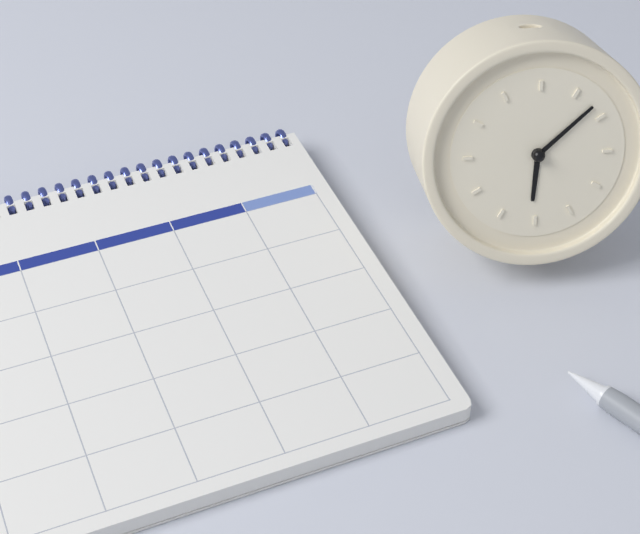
6,08
